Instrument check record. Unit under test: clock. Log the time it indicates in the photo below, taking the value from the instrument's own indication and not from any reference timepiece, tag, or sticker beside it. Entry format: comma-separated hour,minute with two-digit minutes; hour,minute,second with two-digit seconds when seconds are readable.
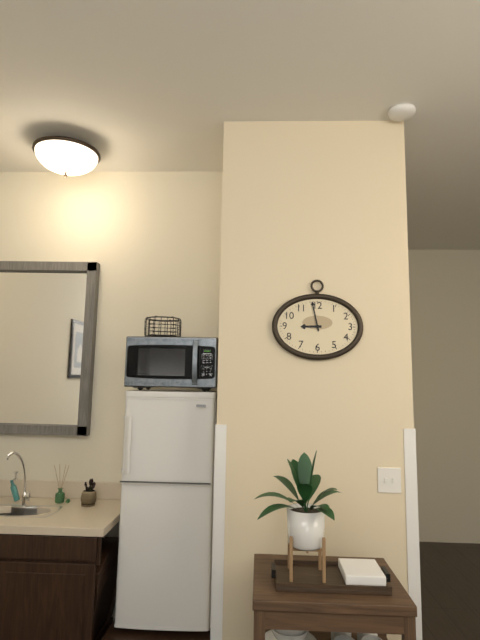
8,58
